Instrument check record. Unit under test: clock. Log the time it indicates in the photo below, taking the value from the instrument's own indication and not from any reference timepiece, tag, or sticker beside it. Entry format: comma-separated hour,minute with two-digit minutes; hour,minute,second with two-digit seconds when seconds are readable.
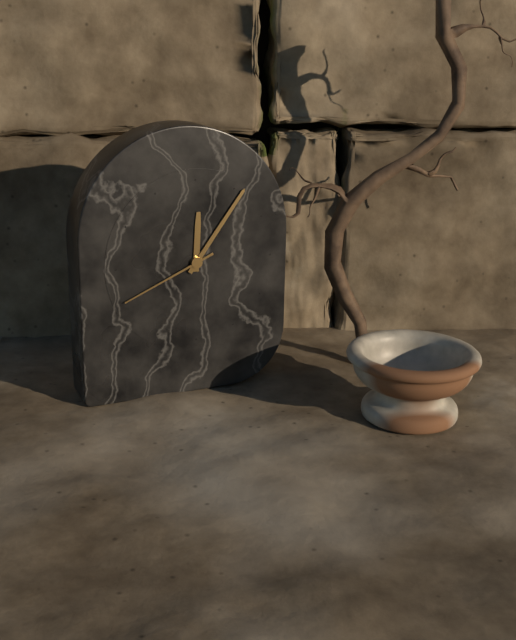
12,06,41
